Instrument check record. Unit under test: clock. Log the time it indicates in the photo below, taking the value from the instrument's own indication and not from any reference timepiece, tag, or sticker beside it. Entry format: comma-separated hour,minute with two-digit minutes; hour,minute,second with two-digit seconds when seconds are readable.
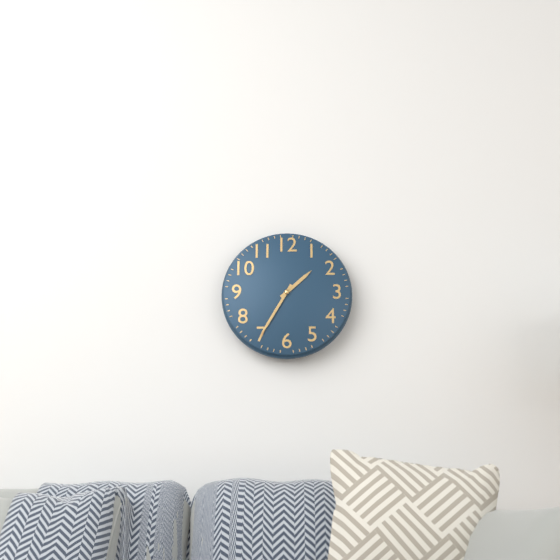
1,35
